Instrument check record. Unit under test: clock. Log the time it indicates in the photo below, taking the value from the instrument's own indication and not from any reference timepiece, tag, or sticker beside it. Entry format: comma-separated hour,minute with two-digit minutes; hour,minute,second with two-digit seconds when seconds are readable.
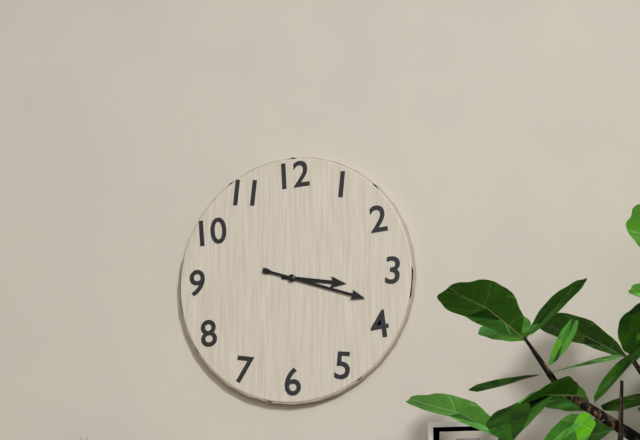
3,18
